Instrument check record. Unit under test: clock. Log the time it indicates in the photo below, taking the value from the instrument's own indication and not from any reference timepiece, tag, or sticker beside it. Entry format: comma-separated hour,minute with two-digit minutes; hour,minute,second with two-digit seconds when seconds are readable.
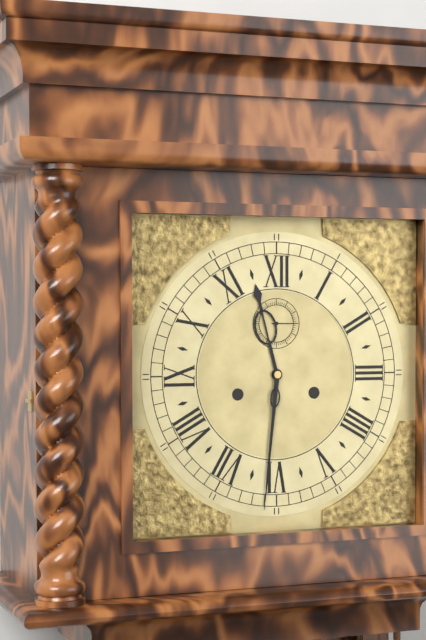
11,31
